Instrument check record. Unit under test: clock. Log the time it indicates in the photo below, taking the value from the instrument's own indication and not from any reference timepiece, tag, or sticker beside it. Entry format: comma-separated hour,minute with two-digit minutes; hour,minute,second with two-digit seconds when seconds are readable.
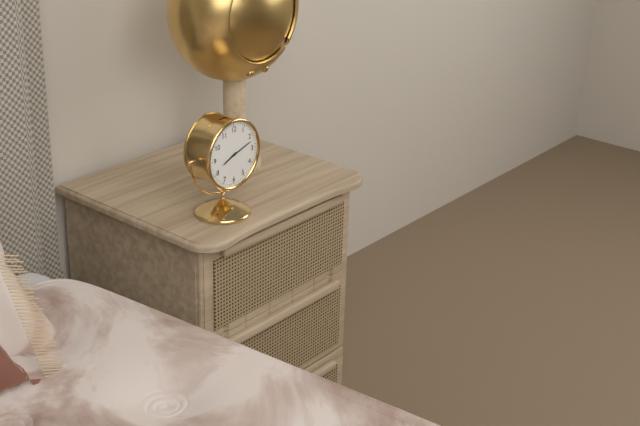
8,12
